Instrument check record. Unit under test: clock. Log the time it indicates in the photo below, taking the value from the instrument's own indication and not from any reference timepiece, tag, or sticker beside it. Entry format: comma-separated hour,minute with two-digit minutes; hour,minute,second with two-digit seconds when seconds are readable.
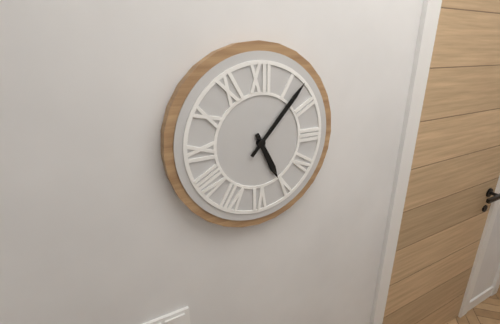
5,07
